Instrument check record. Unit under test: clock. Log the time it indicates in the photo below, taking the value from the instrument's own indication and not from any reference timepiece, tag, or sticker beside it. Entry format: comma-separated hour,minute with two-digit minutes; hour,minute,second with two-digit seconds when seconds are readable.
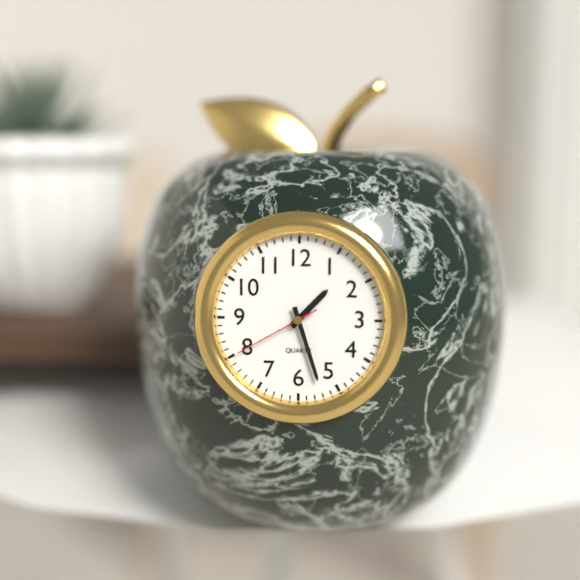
1,27,40
